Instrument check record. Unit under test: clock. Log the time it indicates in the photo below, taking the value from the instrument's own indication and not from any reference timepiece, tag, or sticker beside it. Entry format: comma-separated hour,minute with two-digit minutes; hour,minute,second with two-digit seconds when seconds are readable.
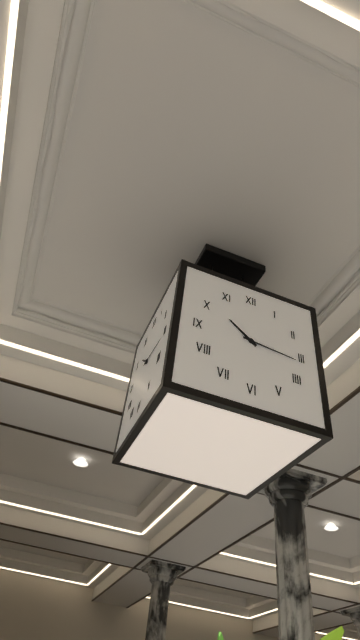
10,16
